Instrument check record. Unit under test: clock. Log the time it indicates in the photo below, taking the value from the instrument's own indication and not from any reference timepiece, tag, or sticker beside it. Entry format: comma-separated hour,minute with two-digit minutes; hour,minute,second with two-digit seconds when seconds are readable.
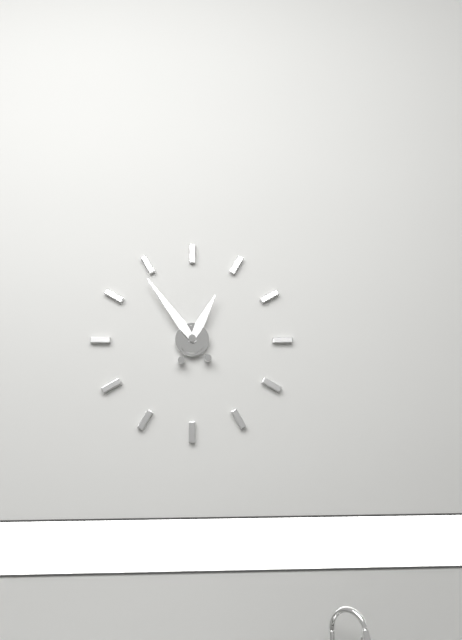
12,54
